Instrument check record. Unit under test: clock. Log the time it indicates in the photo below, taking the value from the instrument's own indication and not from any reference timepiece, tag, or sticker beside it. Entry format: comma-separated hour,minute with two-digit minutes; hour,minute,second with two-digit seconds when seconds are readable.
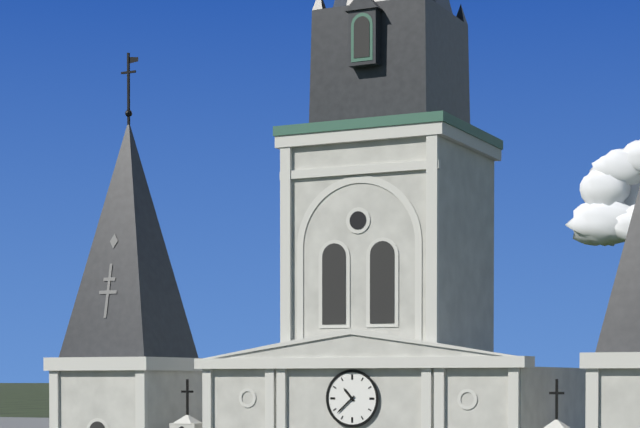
10,38
